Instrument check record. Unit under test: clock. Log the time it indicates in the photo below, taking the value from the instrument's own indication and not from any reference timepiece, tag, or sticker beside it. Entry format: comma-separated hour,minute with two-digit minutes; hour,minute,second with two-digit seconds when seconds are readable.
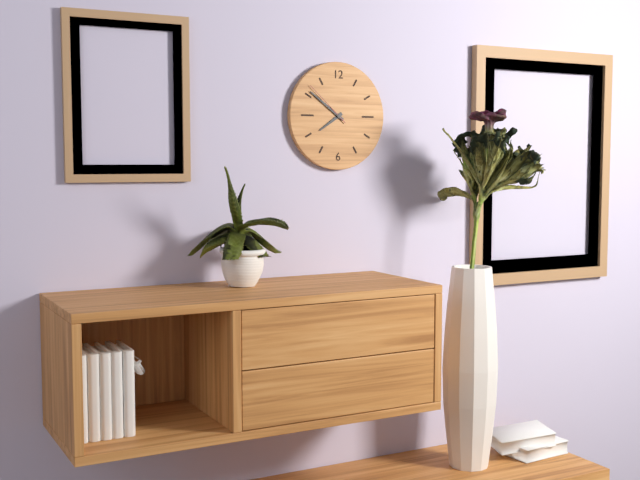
7,51
